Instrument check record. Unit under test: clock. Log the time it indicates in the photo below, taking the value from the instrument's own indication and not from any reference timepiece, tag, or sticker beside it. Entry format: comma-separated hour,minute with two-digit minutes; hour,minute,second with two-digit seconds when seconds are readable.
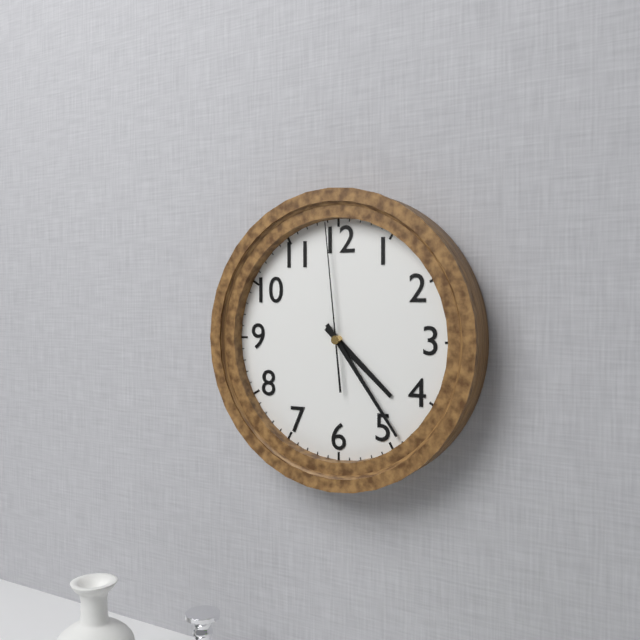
4,24,59
